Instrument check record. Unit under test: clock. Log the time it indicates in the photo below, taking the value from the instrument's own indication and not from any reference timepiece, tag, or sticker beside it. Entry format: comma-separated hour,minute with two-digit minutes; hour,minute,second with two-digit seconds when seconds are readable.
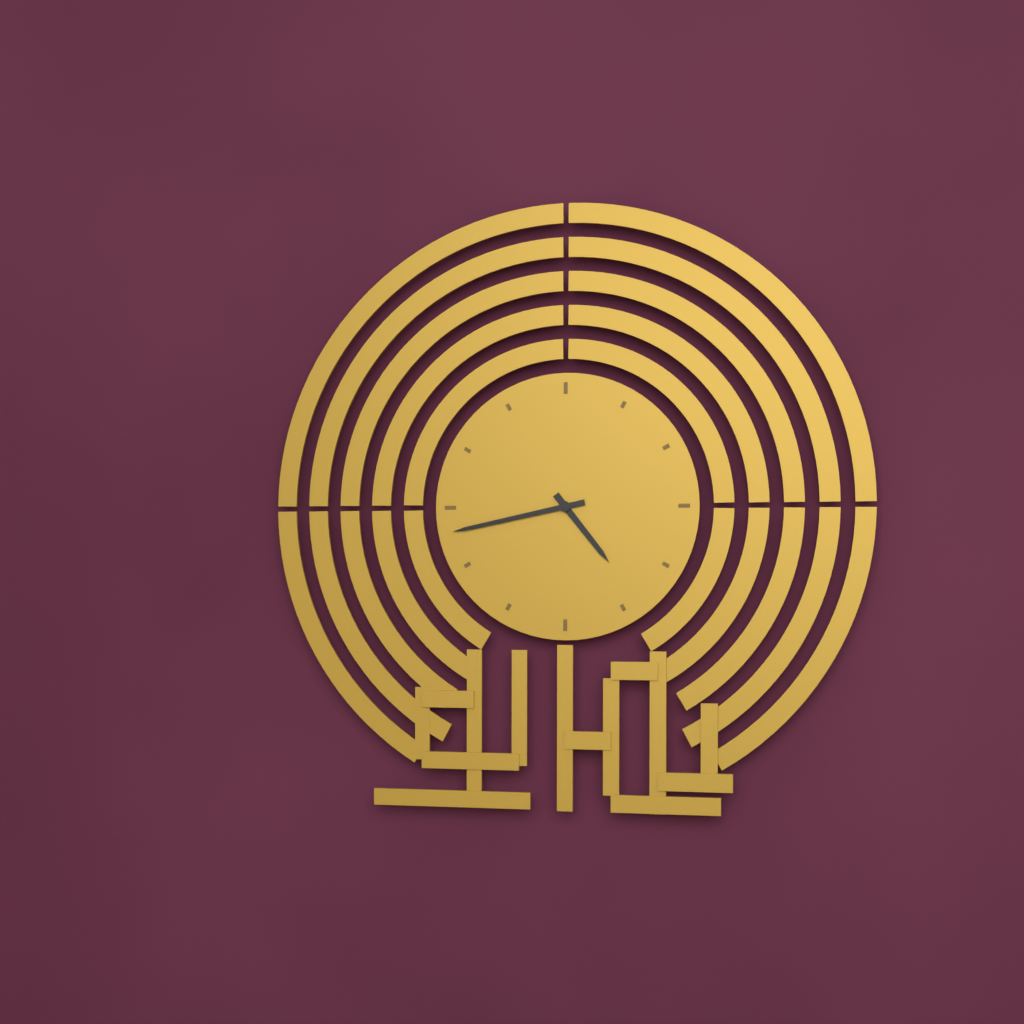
4,43
